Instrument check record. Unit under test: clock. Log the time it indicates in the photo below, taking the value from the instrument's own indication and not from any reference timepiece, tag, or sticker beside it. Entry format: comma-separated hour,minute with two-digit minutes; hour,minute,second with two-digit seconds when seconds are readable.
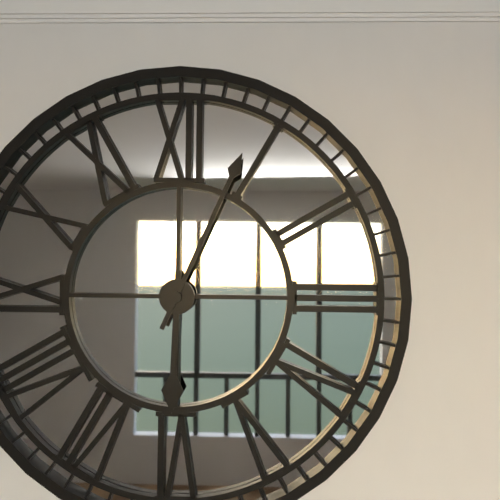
6,04
